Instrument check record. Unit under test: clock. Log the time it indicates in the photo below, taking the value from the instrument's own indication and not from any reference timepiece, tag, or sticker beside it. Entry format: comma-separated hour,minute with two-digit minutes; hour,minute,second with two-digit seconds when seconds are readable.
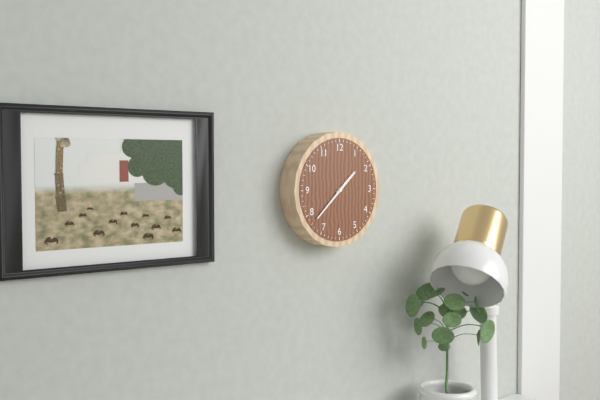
1,38
